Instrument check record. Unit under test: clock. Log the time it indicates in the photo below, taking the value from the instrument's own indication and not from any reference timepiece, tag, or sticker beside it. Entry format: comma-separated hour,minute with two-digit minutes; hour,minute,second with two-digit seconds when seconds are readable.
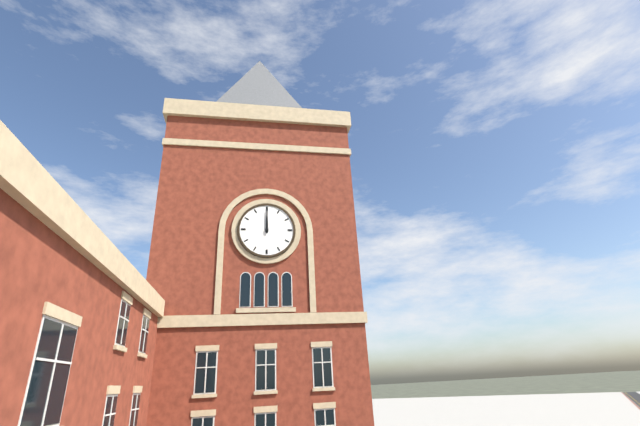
12,00
